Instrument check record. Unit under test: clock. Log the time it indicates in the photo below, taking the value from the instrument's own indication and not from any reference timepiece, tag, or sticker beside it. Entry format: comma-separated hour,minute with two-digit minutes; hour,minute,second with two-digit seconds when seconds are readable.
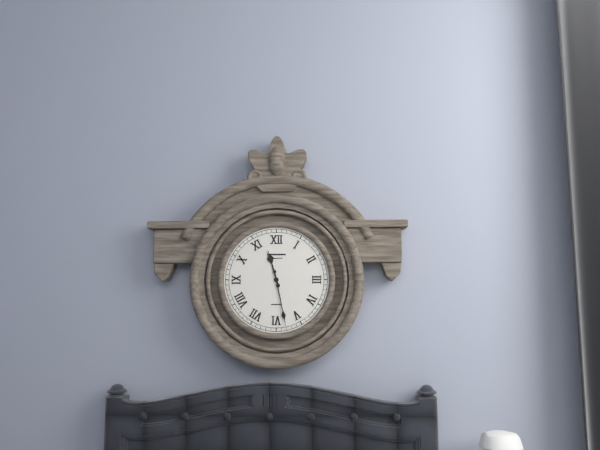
11,28
